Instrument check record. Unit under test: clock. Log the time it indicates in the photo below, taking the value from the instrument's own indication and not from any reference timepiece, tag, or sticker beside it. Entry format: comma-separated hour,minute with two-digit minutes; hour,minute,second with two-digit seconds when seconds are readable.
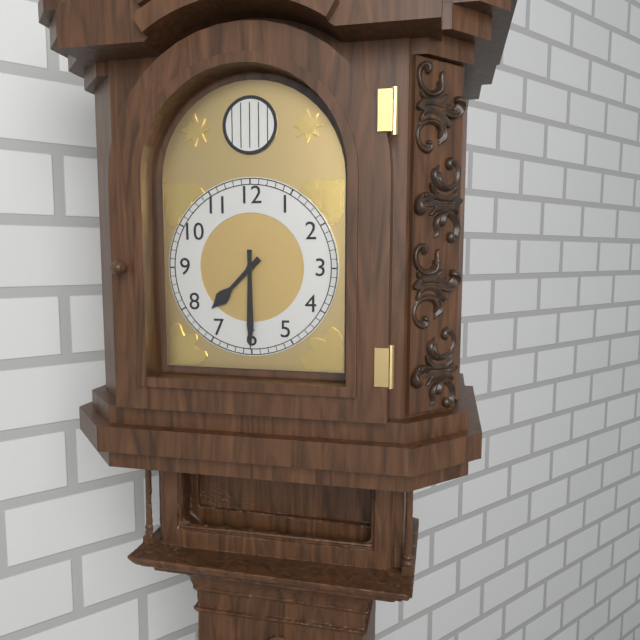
7,30
